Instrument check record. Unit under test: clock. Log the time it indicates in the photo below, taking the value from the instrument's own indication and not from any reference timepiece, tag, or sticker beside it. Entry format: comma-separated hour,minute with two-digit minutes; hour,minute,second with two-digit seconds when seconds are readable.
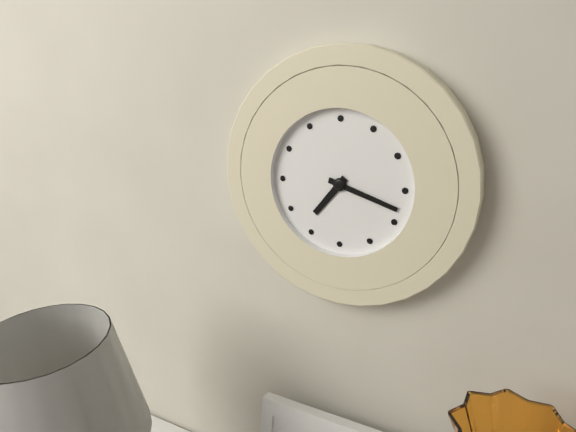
7,18
